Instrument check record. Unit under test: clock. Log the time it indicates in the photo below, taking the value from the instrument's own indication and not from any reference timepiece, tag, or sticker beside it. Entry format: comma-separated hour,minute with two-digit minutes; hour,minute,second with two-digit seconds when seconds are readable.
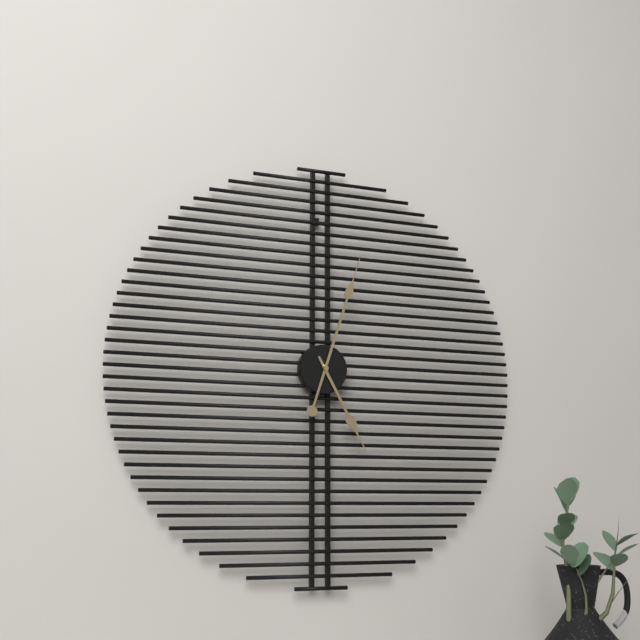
5,03
